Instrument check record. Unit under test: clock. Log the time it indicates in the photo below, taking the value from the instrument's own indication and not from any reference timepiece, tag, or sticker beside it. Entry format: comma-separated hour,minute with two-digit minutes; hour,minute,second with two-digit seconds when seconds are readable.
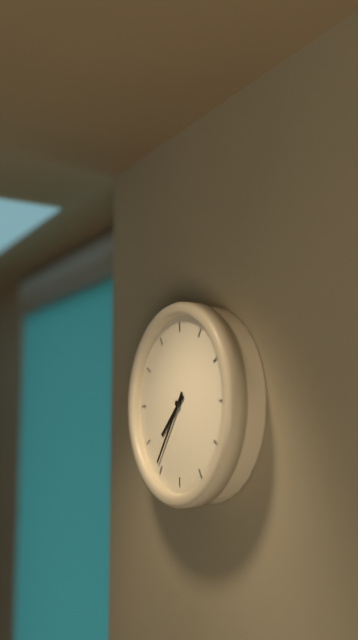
7,36
